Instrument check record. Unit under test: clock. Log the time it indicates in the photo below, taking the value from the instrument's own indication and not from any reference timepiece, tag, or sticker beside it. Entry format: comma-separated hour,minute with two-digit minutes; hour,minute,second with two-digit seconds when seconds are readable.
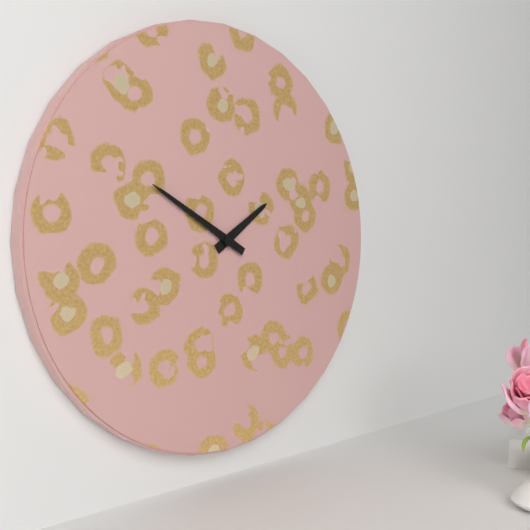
1,50
